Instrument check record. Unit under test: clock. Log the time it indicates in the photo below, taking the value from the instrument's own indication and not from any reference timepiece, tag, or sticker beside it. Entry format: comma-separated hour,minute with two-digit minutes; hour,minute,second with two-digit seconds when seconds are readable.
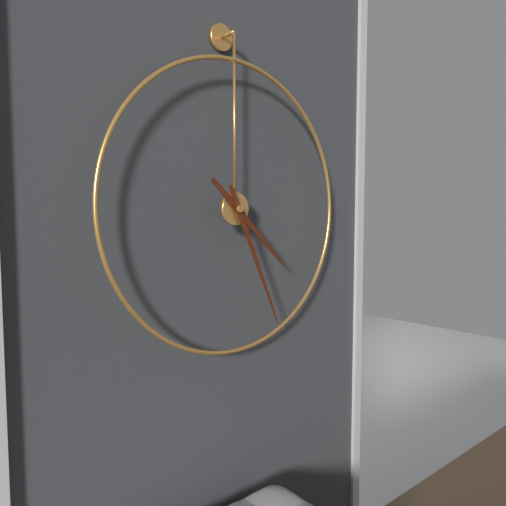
4,26
